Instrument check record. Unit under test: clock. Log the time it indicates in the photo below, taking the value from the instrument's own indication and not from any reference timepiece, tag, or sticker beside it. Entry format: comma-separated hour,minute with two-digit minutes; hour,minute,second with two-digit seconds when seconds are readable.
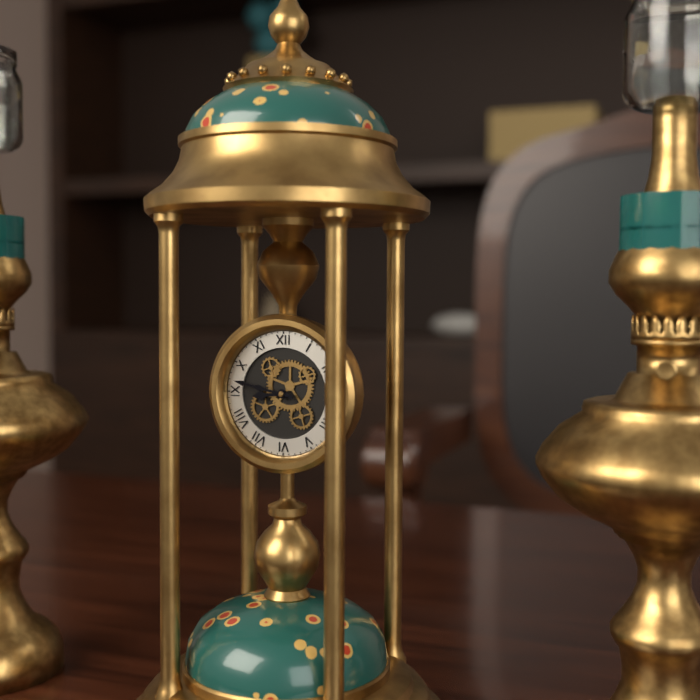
8,47
